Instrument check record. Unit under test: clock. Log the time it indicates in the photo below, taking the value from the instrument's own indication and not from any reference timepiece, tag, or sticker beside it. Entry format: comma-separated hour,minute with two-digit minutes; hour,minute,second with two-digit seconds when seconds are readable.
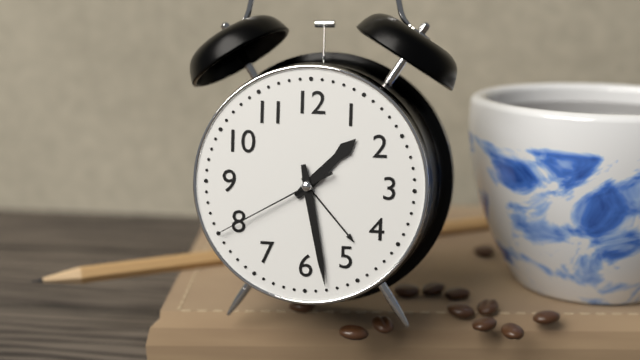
1,28,40
